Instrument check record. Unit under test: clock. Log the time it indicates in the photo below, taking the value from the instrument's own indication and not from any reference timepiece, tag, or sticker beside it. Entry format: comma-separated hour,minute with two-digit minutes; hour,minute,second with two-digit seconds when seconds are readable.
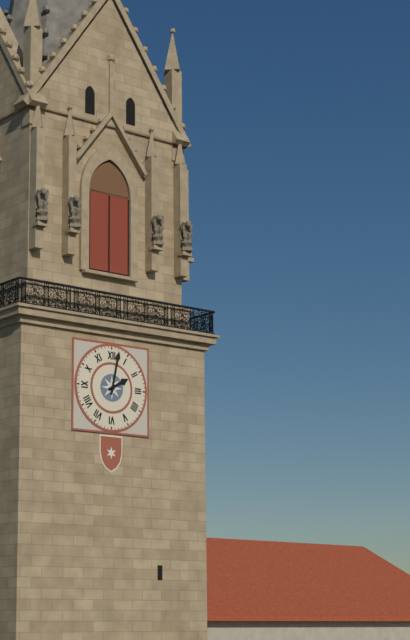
2,02
